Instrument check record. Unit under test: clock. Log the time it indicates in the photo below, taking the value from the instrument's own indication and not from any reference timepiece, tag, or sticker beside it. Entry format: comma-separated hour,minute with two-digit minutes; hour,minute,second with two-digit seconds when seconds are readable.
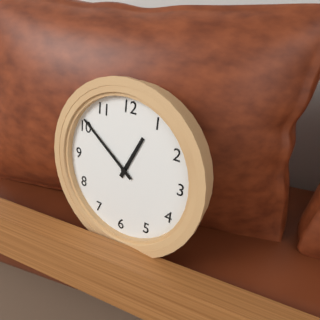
12,51
